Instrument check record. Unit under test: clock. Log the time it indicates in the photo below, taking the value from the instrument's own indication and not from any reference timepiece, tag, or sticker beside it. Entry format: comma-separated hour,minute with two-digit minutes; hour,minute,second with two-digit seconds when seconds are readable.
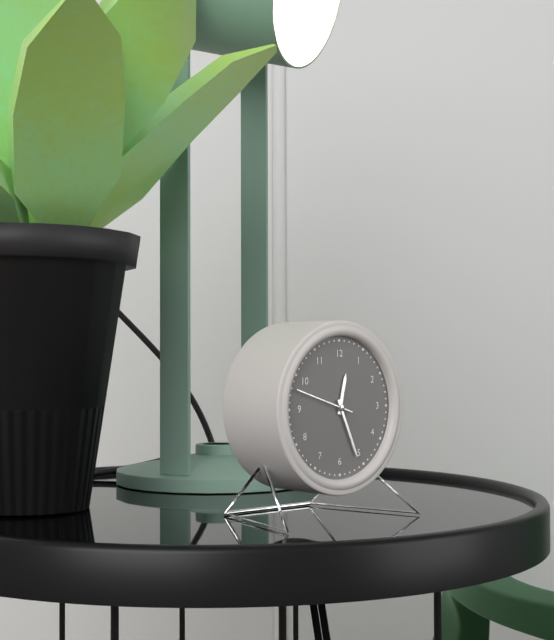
12,26,48
